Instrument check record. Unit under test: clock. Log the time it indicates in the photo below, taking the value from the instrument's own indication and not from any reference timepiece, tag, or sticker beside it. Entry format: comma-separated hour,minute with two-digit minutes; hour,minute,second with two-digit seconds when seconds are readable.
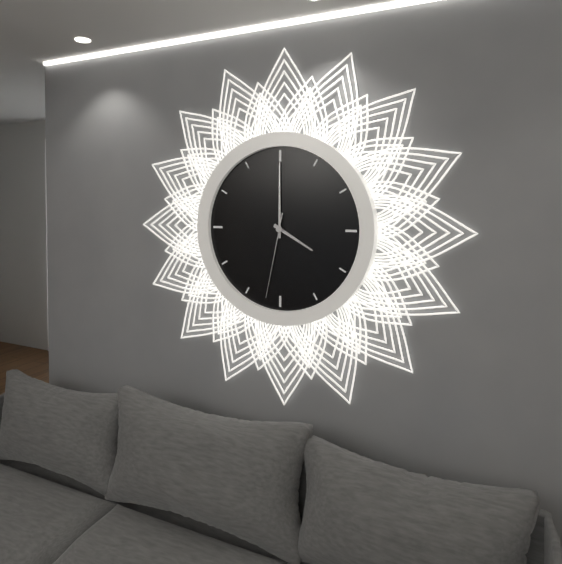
4,00,32
